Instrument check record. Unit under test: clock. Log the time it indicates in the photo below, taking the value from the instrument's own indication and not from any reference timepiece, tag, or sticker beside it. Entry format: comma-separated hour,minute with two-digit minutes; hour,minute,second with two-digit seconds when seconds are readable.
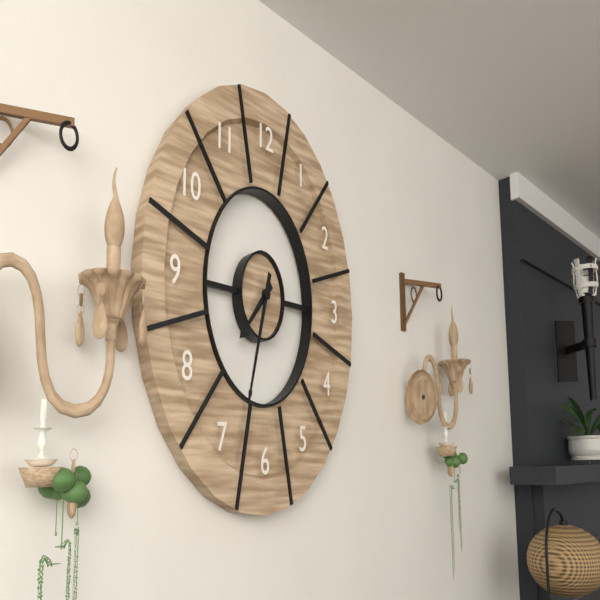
7,33
